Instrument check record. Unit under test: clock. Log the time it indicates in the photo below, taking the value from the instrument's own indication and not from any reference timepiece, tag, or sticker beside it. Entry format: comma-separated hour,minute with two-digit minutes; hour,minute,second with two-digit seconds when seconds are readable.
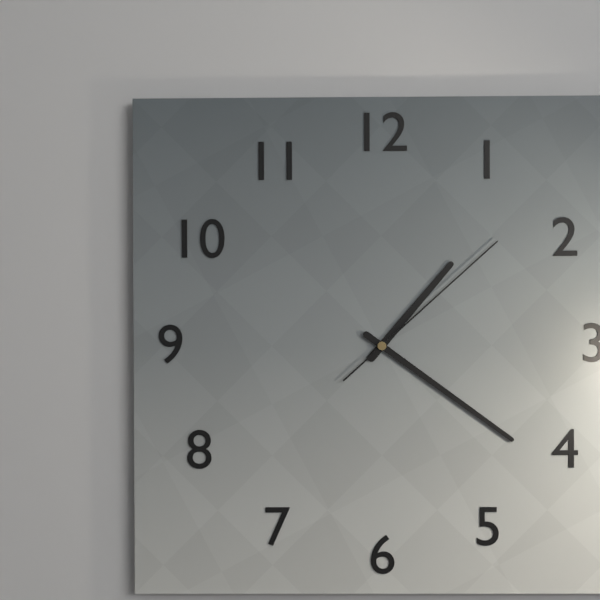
1,21,08
